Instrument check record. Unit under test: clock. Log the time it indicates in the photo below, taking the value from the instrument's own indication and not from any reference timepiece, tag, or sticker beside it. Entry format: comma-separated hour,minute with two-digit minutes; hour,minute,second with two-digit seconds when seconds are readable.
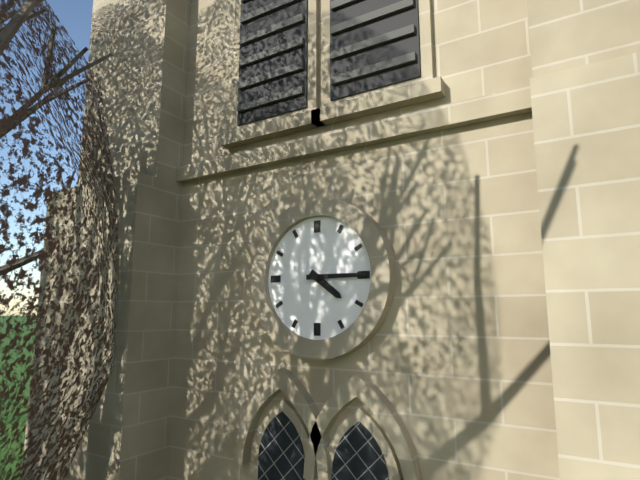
4,15
